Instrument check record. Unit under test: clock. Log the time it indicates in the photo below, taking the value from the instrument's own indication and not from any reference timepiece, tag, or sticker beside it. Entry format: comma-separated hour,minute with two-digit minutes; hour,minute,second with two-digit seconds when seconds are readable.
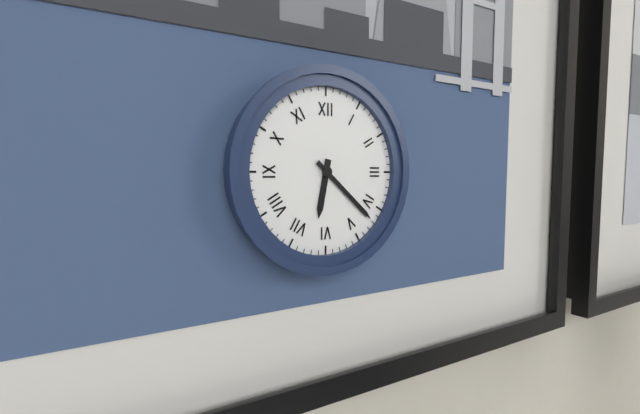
6,22
